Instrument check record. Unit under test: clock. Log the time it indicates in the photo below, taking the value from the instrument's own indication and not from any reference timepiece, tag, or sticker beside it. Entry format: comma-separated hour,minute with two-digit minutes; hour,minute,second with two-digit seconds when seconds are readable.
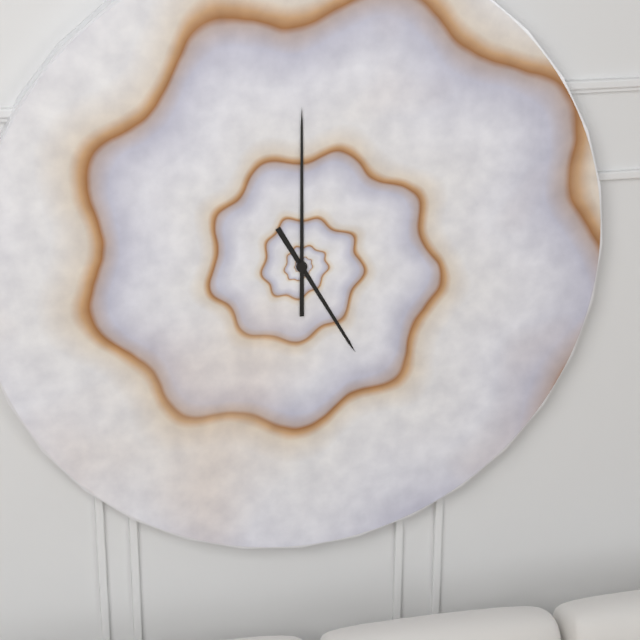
5,00
